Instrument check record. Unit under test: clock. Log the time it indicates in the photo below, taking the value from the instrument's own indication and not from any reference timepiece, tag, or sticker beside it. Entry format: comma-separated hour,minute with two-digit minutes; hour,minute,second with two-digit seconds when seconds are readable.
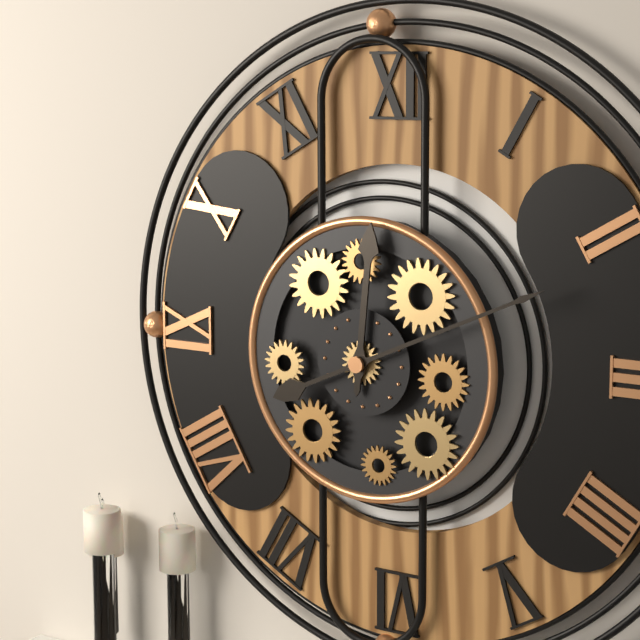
12,11
